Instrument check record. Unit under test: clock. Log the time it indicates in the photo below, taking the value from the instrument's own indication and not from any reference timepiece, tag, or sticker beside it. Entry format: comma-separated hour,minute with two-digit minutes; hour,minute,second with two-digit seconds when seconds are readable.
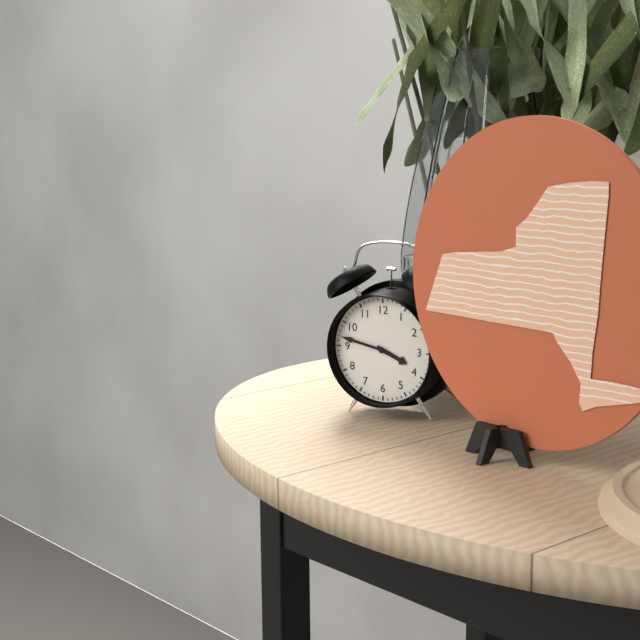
3,47
